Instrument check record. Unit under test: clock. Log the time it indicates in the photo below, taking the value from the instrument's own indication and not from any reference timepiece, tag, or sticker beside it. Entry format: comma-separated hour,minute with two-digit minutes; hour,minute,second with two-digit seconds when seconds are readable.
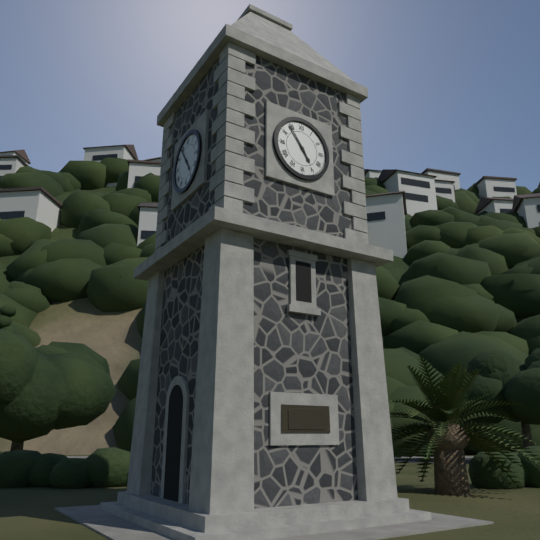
4,54
